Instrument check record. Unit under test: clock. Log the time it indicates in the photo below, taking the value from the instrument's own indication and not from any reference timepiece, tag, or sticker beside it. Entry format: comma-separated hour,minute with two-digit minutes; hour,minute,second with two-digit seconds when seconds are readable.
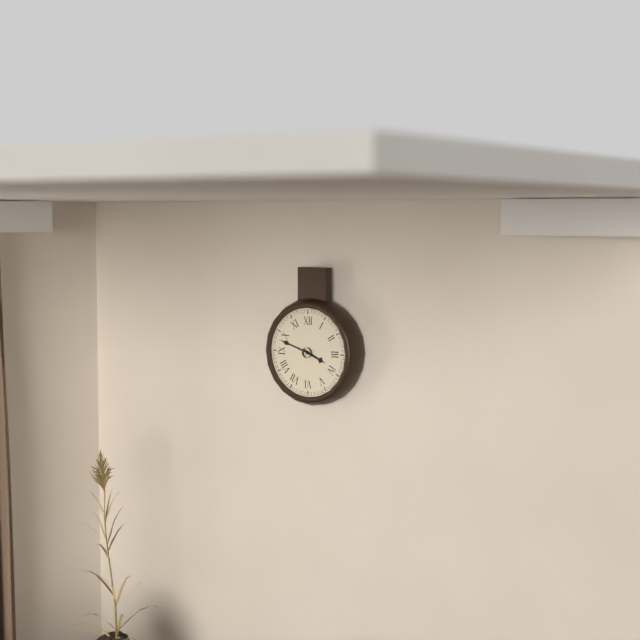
3,48
